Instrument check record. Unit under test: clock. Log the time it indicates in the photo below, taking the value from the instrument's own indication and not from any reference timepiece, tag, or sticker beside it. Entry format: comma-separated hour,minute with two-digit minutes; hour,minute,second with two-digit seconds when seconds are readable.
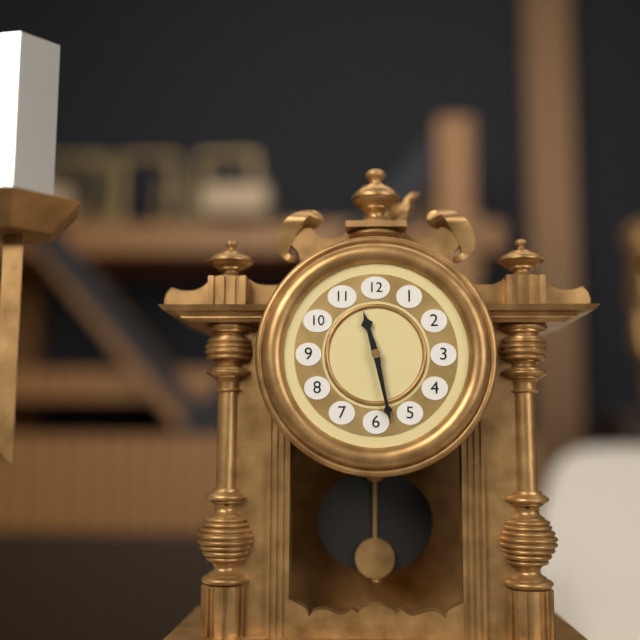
11,28
